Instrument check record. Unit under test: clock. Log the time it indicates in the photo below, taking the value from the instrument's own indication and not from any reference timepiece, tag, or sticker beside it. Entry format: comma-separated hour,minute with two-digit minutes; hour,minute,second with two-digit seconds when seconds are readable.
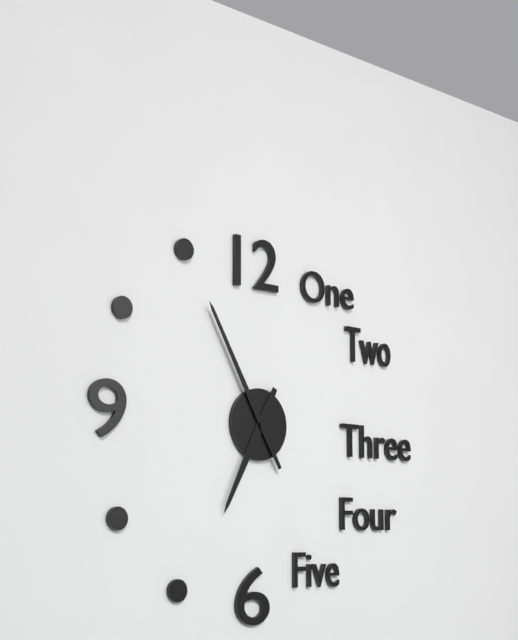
6,55
